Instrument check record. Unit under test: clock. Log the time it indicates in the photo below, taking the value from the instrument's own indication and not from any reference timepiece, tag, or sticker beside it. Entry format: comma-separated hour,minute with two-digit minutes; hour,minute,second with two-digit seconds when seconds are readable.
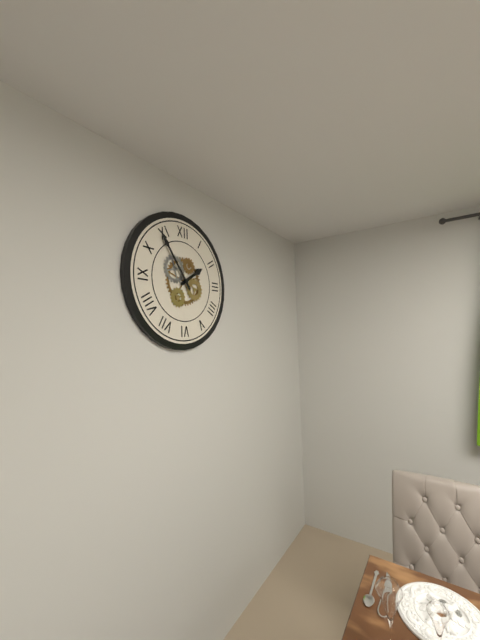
1,54
